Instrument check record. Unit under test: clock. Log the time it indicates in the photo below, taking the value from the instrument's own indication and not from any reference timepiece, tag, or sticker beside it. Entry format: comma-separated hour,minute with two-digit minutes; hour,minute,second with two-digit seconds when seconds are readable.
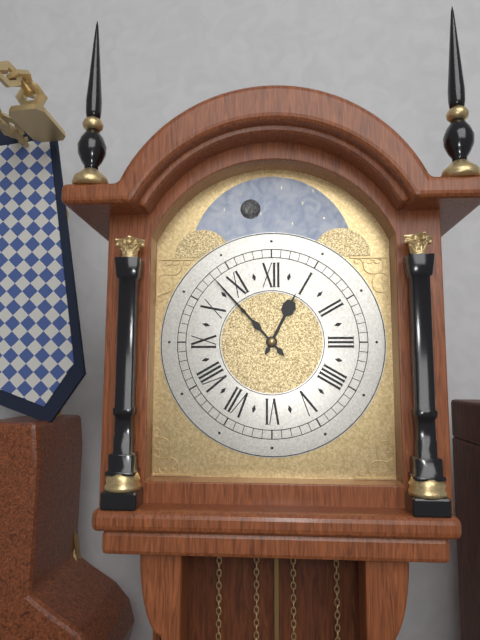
12,53
